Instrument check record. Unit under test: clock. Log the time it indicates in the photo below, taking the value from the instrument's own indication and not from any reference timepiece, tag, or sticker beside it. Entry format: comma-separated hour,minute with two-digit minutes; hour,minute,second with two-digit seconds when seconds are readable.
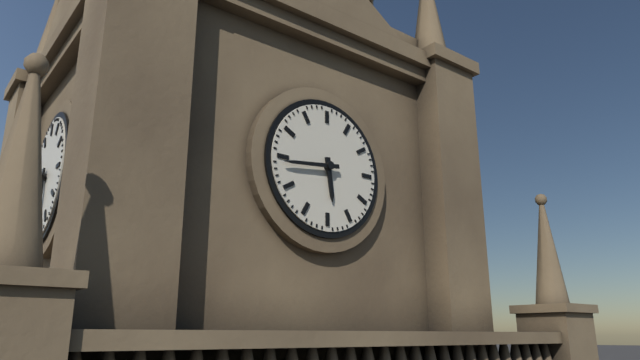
5,44
